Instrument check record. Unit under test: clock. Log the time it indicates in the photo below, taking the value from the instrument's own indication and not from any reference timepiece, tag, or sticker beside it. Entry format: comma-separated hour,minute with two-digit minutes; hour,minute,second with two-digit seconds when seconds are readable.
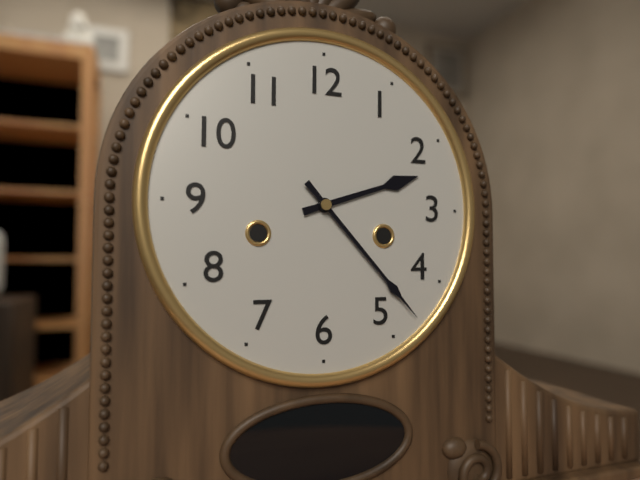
2,23
